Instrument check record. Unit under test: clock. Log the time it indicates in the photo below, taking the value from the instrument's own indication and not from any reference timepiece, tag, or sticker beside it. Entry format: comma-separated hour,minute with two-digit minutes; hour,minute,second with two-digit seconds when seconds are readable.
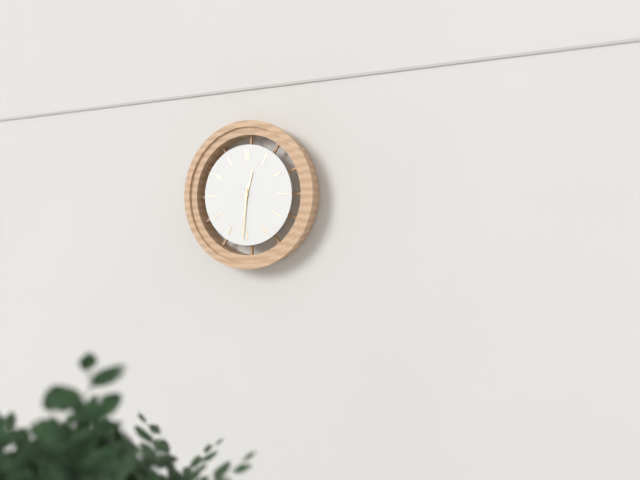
12,31
